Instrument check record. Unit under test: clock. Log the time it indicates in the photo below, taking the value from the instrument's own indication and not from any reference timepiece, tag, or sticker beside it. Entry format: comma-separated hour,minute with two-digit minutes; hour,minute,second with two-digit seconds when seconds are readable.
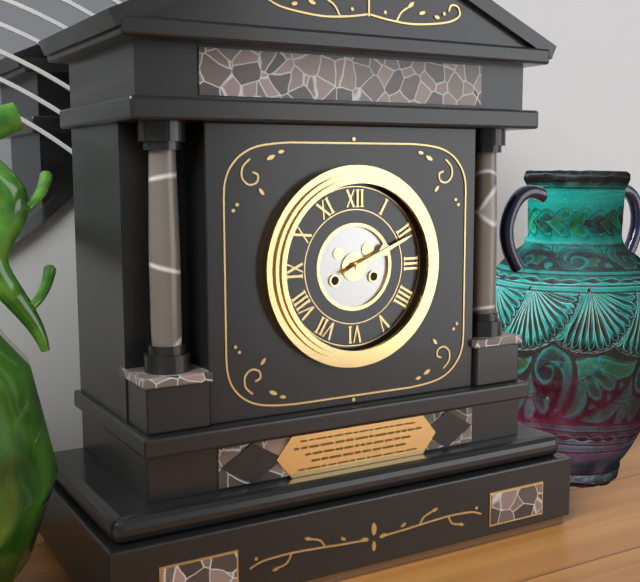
2,11
